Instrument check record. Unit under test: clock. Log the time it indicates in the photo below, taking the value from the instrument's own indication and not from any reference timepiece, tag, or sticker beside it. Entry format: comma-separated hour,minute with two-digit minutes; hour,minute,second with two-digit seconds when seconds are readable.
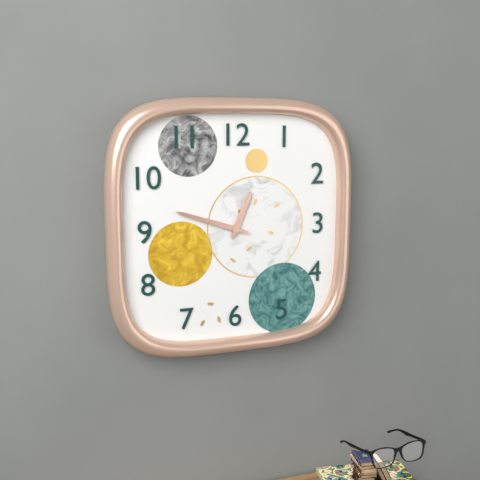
12,48
